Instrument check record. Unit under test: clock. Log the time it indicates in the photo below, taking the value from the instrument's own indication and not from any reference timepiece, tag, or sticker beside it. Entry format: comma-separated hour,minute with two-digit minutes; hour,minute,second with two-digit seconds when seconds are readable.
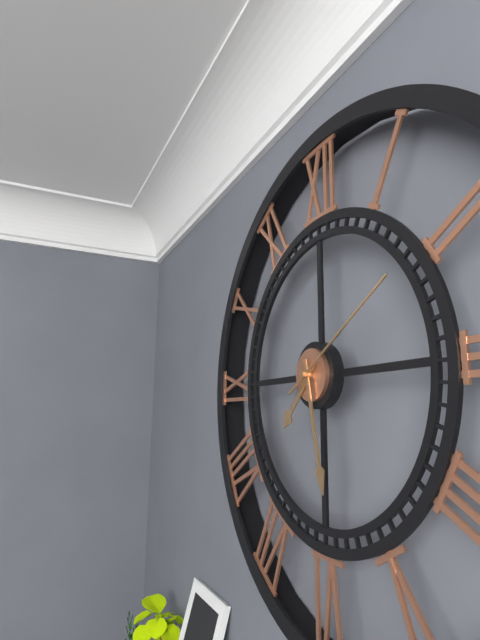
7,28,10
